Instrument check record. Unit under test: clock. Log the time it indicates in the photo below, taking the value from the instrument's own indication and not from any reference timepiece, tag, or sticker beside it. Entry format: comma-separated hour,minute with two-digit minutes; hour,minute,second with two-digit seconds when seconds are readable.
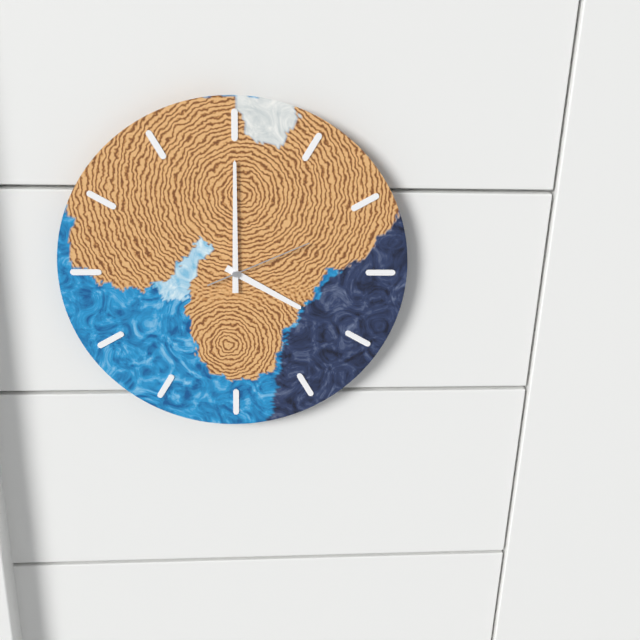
4,00,11
